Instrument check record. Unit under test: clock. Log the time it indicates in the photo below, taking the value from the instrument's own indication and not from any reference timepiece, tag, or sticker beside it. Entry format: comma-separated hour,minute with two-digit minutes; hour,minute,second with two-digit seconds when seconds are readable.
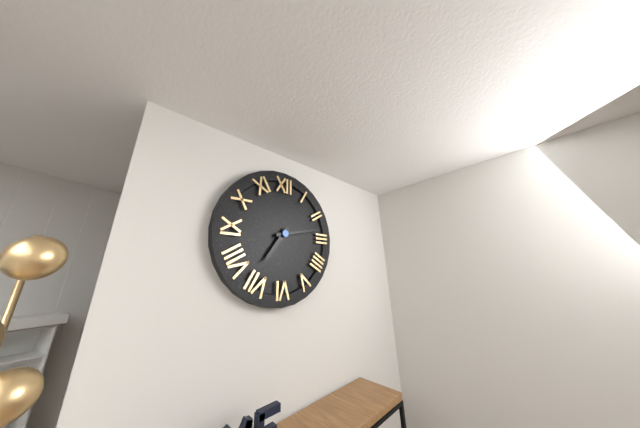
7,13
